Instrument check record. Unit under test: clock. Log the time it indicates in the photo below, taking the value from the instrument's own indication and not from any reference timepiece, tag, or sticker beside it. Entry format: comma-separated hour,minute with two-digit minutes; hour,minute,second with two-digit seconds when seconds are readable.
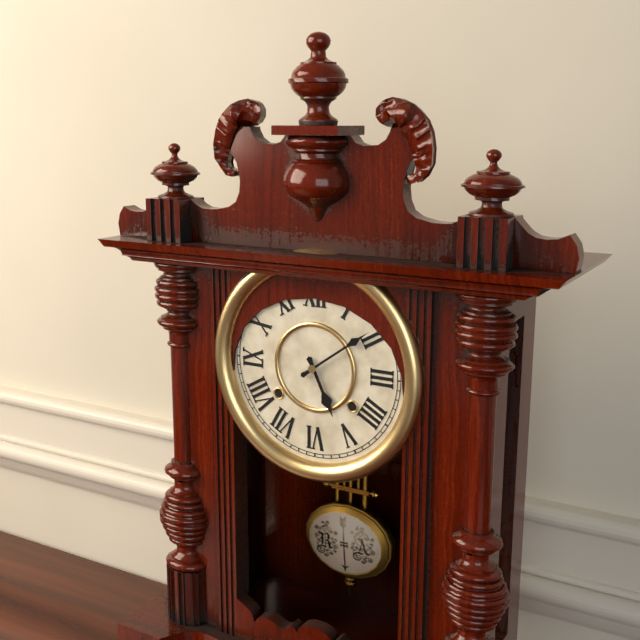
5,09
